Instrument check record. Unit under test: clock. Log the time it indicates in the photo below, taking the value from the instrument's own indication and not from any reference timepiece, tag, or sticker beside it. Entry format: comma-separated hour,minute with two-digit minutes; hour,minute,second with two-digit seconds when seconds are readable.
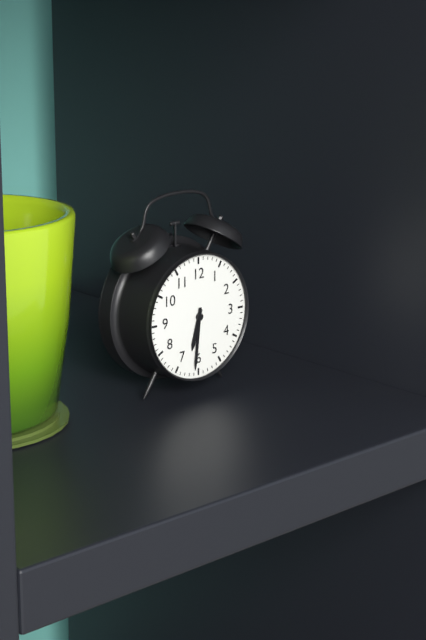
6,31
